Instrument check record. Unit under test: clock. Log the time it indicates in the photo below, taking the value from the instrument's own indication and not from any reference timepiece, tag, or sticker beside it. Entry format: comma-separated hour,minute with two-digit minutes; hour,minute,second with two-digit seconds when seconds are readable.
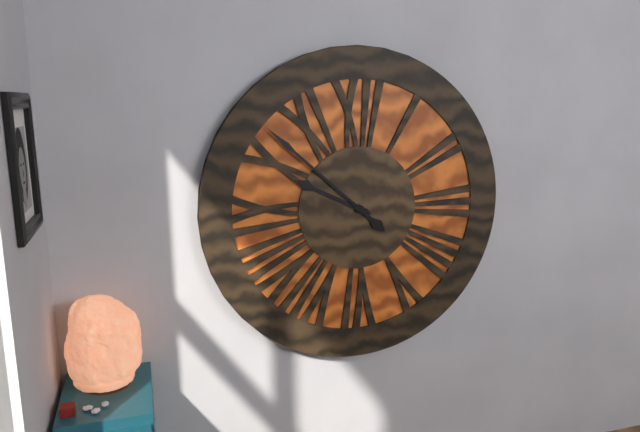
9,52
